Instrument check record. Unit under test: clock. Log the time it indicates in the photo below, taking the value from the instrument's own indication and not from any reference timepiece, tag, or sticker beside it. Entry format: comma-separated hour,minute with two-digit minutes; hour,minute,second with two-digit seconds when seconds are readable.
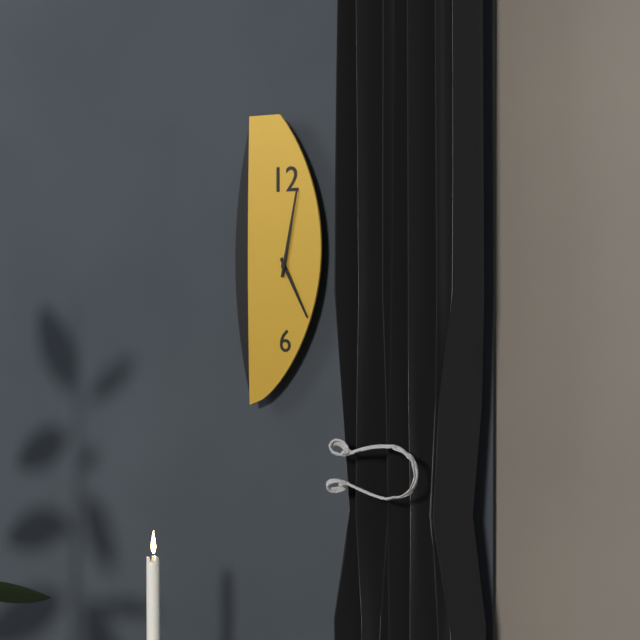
5,02
